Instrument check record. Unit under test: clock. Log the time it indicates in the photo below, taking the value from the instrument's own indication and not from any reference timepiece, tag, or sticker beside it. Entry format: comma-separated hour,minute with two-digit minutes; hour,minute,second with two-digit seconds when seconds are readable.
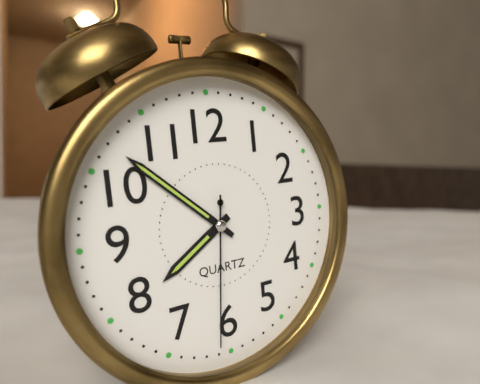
7,52,31
